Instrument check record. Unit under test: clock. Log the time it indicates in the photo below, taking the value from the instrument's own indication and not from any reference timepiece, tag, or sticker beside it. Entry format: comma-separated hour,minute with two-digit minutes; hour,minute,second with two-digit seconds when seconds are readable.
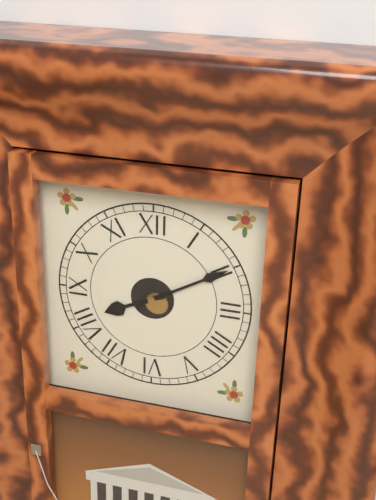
8,10
